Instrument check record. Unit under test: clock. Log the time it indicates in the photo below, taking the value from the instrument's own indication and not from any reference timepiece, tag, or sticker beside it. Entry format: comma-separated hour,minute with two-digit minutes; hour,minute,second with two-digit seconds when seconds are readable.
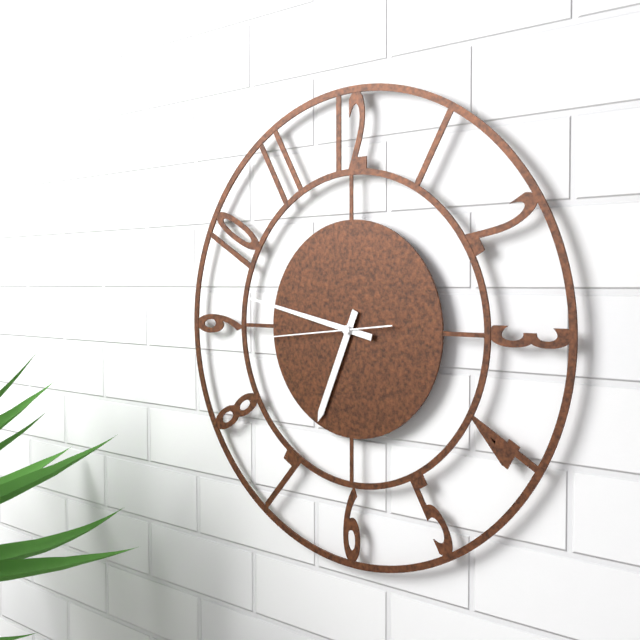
6,47,44
